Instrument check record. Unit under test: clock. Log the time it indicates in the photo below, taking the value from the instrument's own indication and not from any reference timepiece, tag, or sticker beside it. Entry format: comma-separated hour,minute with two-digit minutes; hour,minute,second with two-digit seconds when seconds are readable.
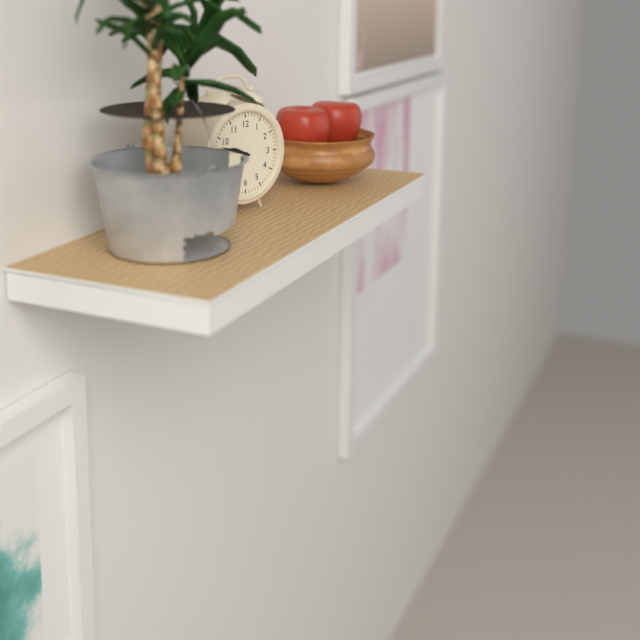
9,48
